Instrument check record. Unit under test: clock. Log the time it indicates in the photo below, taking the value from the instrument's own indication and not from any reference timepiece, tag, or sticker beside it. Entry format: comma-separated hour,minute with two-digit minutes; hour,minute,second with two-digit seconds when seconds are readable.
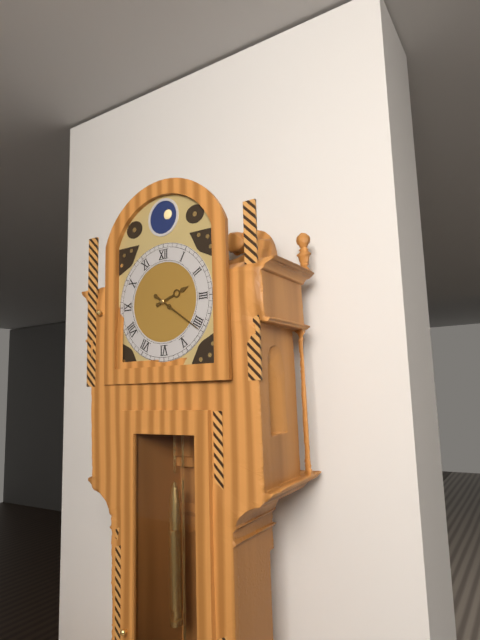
2,21
